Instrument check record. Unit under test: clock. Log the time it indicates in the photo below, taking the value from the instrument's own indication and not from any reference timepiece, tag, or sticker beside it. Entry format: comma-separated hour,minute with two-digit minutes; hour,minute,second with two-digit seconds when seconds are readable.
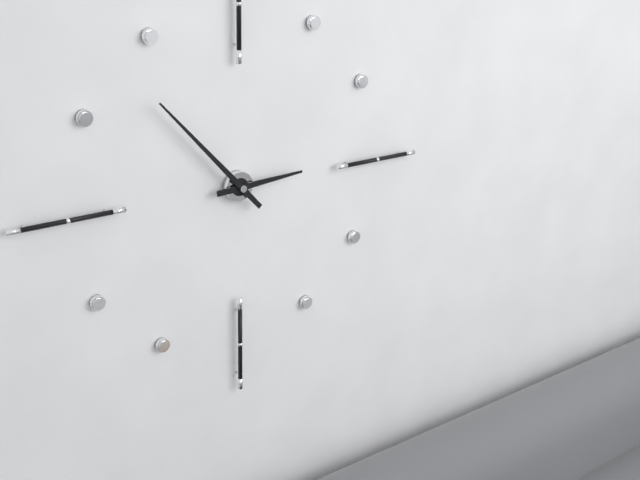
2,53
